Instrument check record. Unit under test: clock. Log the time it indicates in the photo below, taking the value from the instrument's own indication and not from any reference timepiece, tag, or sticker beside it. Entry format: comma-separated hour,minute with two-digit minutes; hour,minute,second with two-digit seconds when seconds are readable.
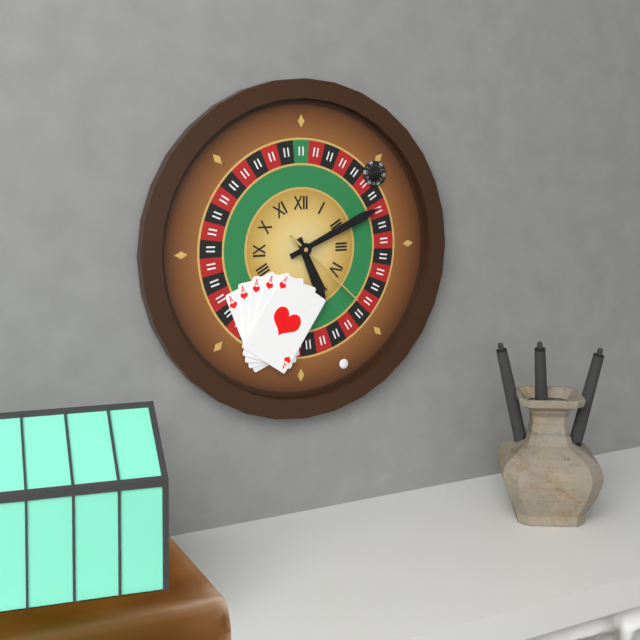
5,11,22
